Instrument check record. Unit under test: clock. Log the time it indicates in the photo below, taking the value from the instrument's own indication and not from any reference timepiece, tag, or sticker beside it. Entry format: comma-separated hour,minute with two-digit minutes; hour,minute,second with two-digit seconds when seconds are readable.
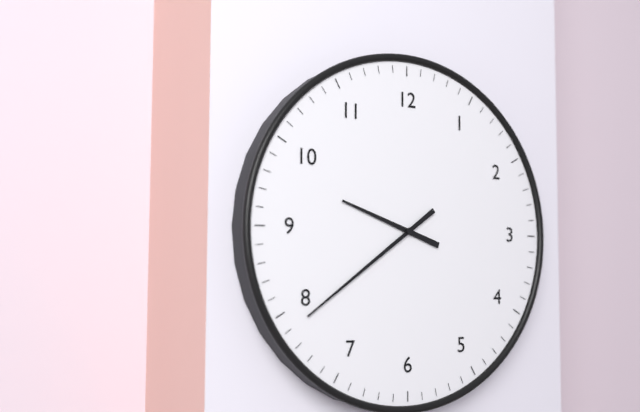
9,39
